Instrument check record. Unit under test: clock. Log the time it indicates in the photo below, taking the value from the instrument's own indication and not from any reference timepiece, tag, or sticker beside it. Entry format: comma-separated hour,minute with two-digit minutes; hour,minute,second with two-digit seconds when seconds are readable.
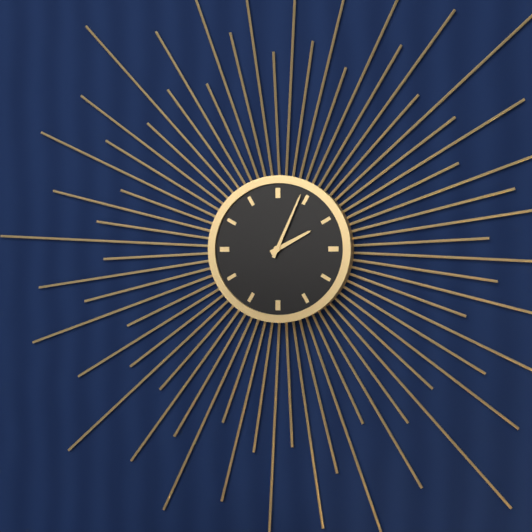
2,04
